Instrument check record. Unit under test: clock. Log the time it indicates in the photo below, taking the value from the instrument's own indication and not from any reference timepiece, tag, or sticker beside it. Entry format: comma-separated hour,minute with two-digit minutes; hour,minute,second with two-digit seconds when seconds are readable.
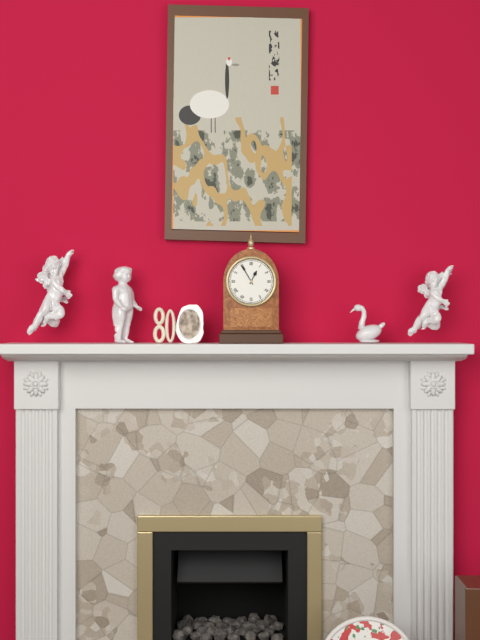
12,55
